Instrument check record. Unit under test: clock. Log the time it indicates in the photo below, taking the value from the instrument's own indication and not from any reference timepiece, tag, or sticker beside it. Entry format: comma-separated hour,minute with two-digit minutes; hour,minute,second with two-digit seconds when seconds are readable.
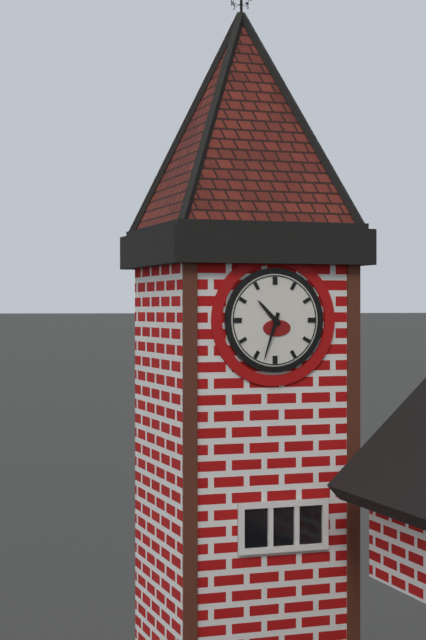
10,33
